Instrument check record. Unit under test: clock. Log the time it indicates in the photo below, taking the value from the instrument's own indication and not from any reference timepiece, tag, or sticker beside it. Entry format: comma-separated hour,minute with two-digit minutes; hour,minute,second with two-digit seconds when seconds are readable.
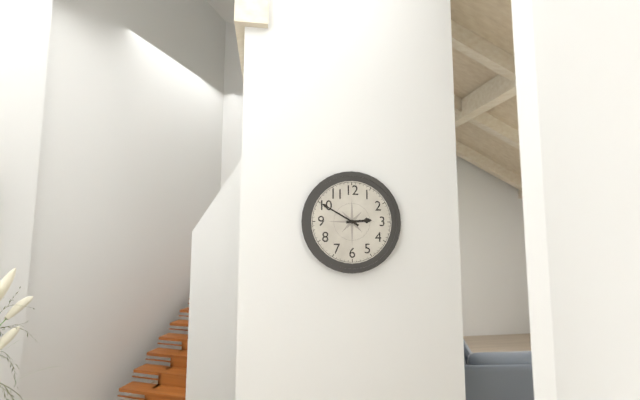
2,50
